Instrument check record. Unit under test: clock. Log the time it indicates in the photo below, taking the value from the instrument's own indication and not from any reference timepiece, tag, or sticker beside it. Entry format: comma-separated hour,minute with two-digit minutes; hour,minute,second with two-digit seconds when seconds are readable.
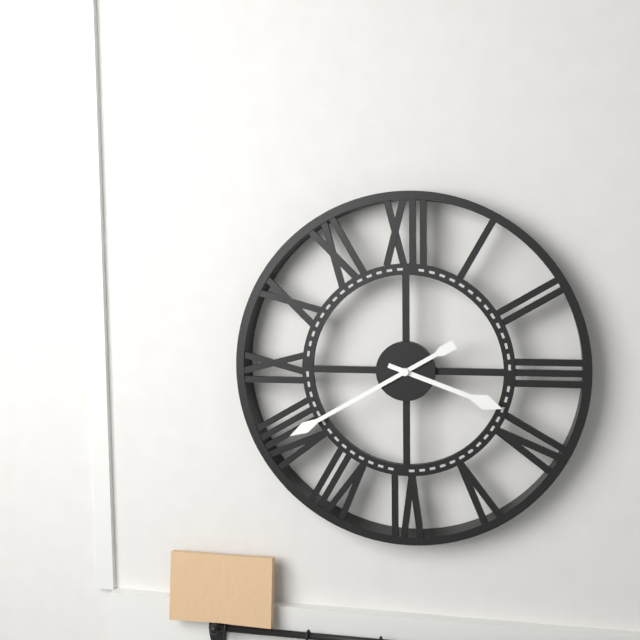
3,40
